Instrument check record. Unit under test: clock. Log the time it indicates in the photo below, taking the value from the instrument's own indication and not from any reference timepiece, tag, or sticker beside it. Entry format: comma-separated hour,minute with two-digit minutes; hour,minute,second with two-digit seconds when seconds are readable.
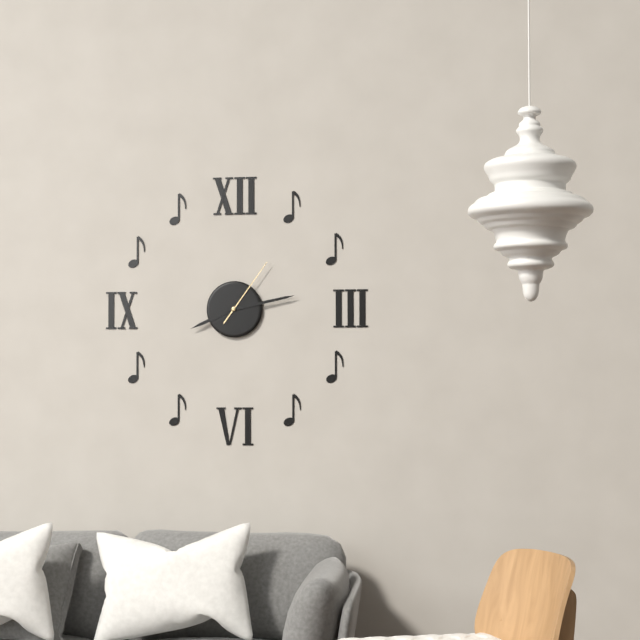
8,13,06
